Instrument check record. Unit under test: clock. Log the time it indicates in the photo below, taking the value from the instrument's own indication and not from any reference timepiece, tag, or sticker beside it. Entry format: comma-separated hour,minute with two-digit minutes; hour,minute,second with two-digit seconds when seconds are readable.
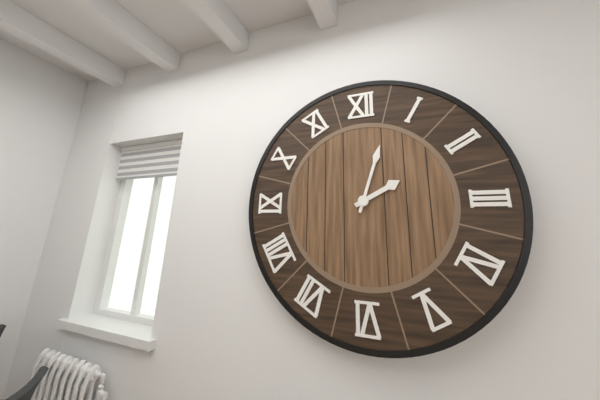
2,03
